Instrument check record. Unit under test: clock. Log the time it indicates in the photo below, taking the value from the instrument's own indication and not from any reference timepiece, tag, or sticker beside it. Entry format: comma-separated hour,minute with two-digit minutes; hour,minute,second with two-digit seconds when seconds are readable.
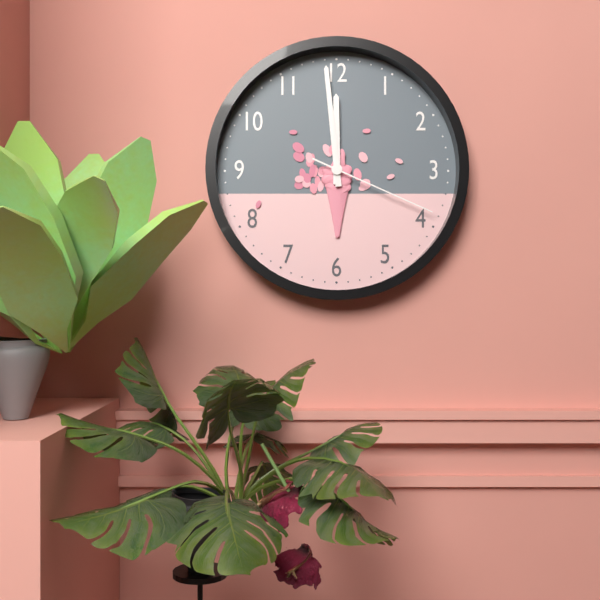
11,59,19
